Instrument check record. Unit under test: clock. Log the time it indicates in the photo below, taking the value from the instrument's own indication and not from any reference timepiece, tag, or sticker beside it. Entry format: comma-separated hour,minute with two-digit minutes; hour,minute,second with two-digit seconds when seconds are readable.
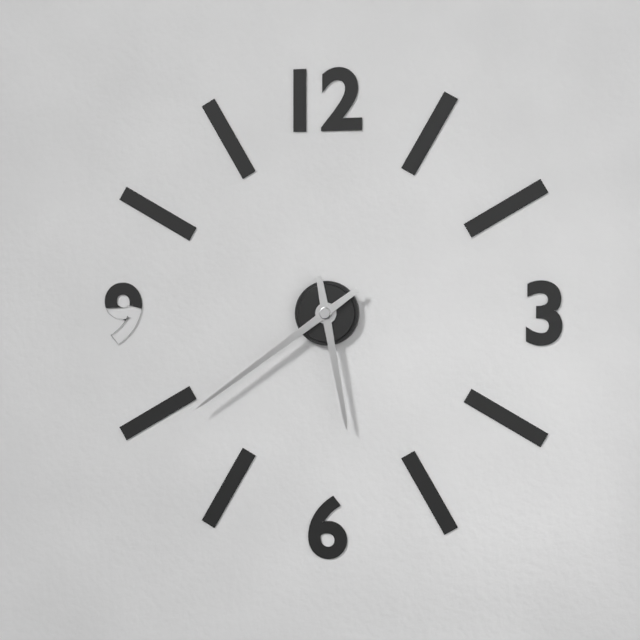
5,39
